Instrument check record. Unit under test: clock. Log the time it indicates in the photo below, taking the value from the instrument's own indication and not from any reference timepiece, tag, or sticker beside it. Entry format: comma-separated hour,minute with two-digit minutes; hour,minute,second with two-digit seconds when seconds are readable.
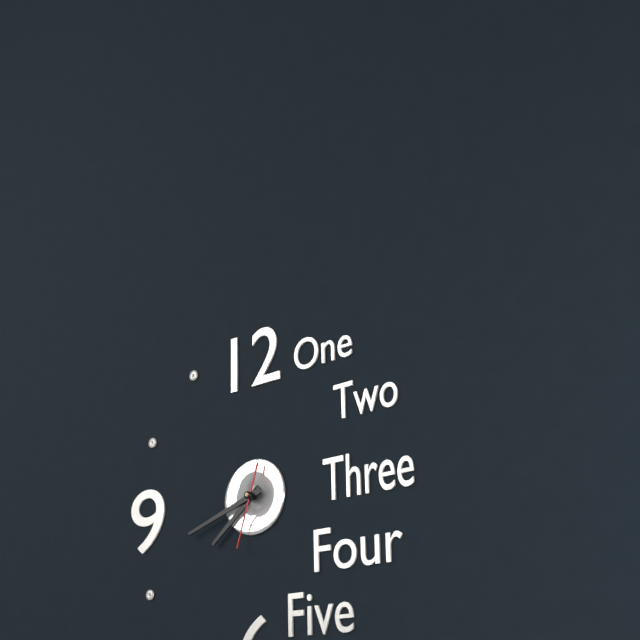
7,42,33
